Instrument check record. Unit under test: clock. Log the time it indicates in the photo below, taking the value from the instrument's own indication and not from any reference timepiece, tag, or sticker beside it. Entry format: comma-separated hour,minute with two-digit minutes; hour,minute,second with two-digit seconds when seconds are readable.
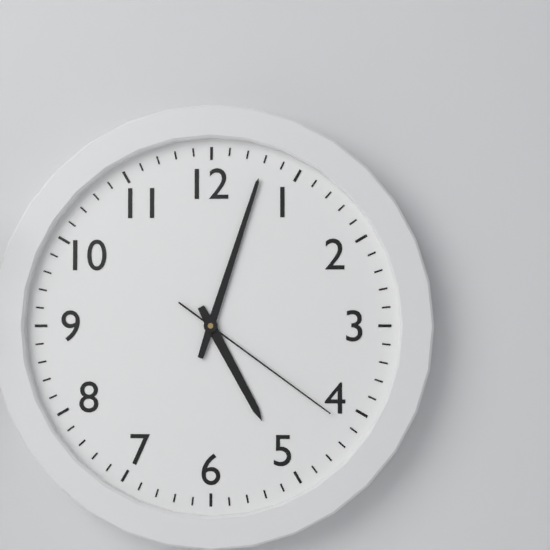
5,03,21
